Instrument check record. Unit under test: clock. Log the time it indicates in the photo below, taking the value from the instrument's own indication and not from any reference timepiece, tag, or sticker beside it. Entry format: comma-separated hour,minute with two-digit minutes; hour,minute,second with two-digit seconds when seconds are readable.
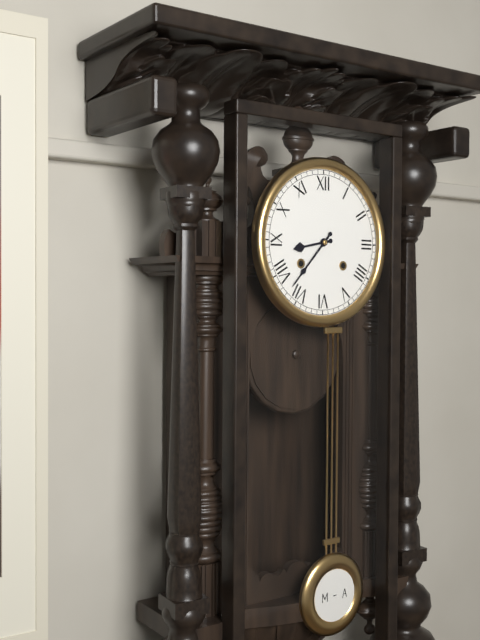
8,37
